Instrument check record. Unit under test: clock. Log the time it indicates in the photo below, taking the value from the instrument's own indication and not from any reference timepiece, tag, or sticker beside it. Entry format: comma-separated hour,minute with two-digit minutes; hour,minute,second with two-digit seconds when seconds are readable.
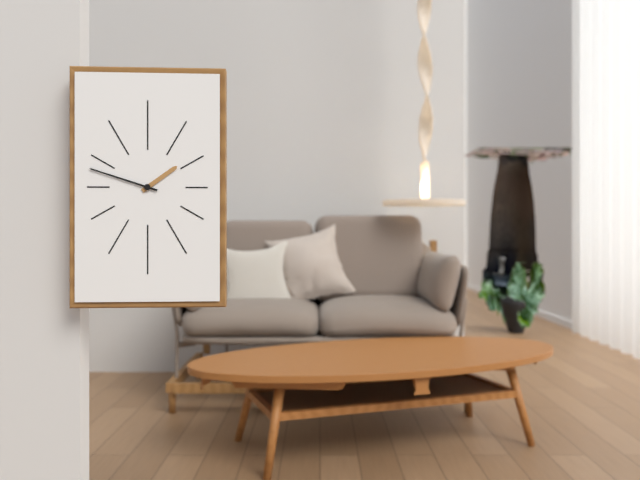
1,48
